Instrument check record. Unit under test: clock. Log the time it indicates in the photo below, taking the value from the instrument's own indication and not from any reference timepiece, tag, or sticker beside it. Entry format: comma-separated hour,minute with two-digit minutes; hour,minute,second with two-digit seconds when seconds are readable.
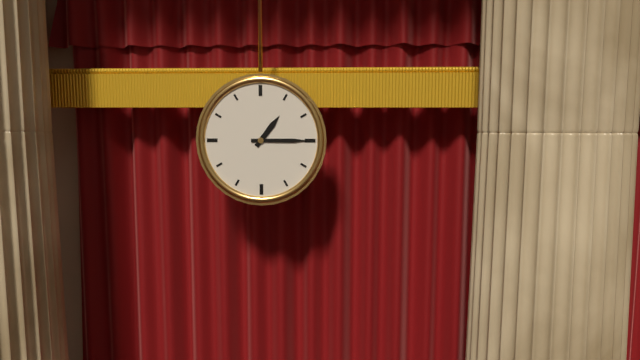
1,15
